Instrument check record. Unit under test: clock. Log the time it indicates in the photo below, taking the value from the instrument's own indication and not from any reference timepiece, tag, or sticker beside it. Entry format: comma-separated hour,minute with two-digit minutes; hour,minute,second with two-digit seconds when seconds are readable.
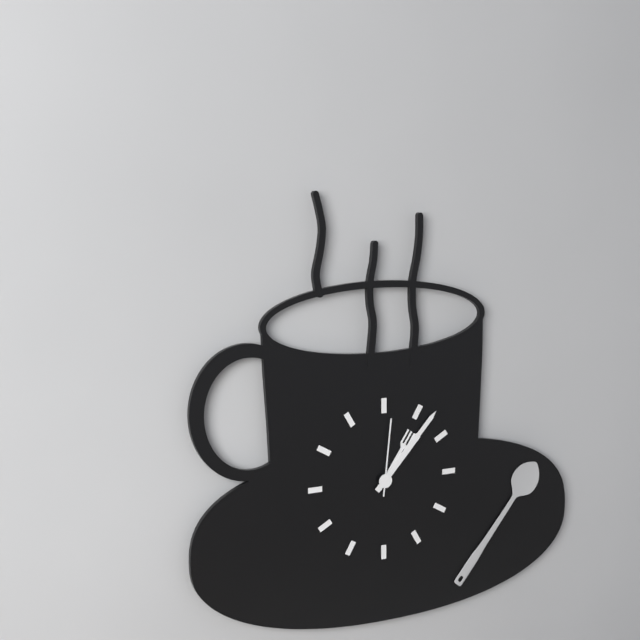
1,07,01
